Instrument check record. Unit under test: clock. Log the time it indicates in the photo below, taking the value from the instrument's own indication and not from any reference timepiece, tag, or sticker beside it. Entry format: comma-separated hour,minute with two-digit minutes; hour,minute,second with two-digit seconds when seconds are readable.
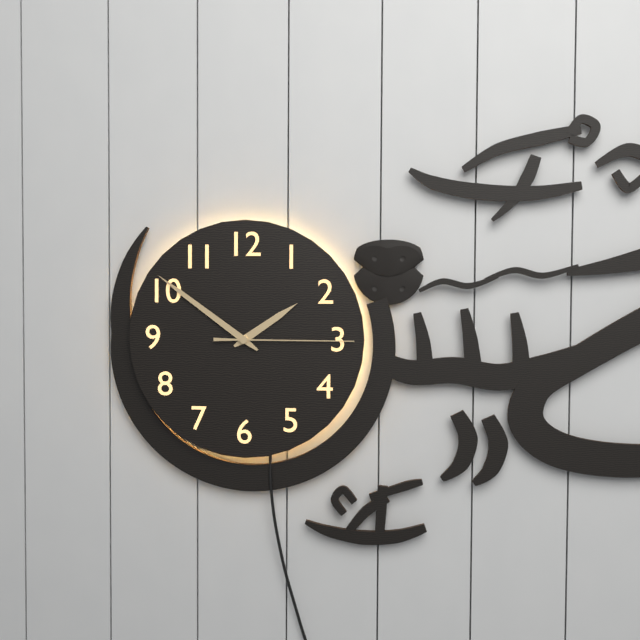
1,51,15
